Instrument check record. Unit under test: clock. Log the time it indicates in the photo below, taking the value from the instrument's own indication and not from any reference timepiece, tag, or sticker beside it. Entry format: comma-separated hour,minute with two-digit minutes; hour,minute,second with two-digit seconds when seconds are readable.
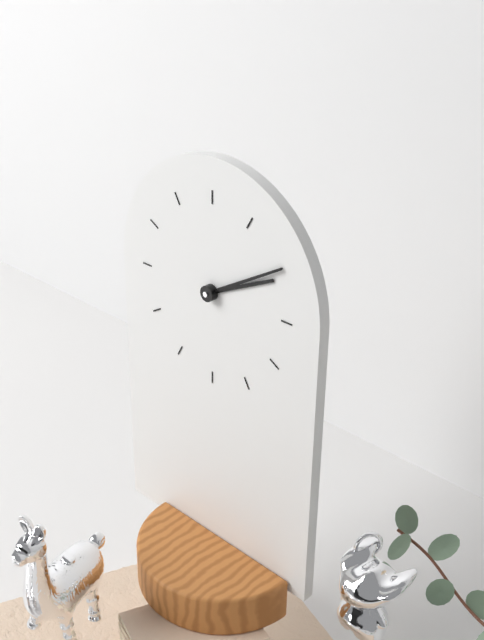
2,10
